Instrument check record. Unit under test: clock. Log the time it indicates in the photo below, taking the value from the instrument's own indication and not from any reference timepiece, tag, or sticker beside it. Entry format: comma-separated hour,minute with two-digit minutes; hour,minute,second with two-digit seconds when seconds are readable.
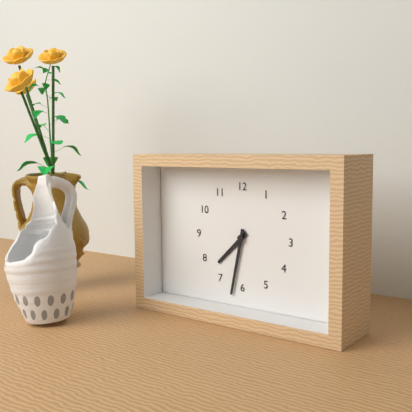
7,32
